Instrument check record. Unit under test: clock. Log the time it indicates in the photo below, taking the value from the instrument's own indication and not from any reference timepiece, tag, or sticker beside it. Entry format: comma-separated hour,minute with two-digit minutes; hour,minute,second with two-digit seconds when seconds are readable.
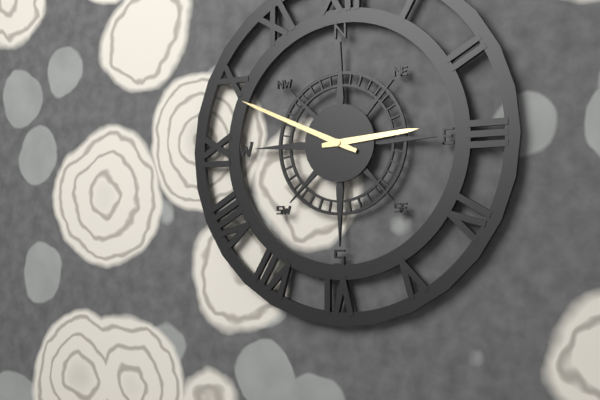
2,49
